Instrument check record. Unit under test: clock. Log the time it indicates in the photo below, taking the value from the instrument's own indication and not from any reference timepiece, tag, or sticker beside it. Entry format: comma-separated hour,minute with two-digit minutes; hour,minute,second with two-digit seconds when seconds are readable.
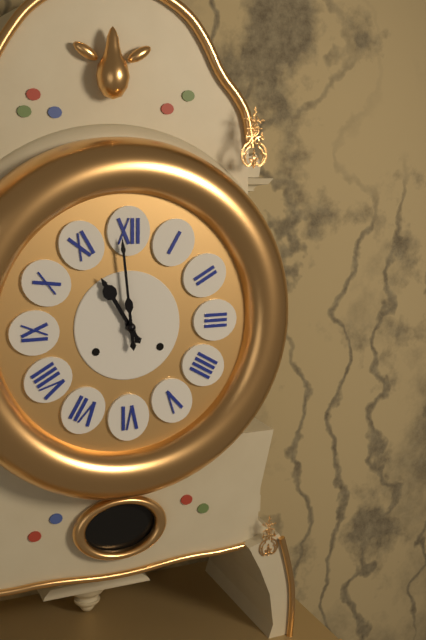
10,59
